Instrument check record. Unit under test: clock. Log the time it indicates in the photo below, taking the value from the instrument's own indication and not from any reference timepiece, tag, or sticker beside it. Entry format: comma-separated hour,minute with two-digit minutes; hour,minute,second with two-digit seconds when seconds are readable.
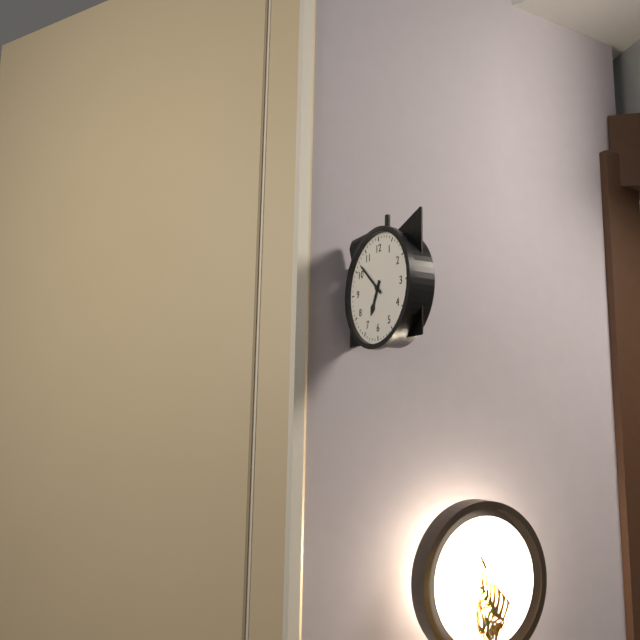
6,52
